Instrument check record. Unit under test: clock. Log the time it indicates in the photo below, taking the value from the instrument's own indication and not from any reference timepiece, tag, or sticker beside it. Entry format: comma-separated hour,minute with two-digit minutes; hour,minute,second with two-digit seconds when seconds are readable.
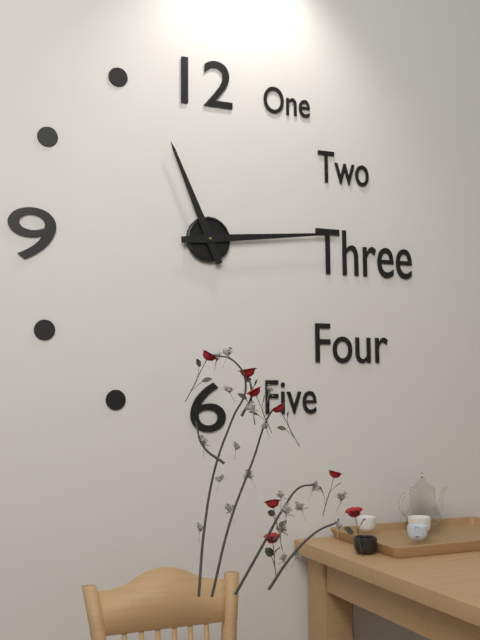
11,14
